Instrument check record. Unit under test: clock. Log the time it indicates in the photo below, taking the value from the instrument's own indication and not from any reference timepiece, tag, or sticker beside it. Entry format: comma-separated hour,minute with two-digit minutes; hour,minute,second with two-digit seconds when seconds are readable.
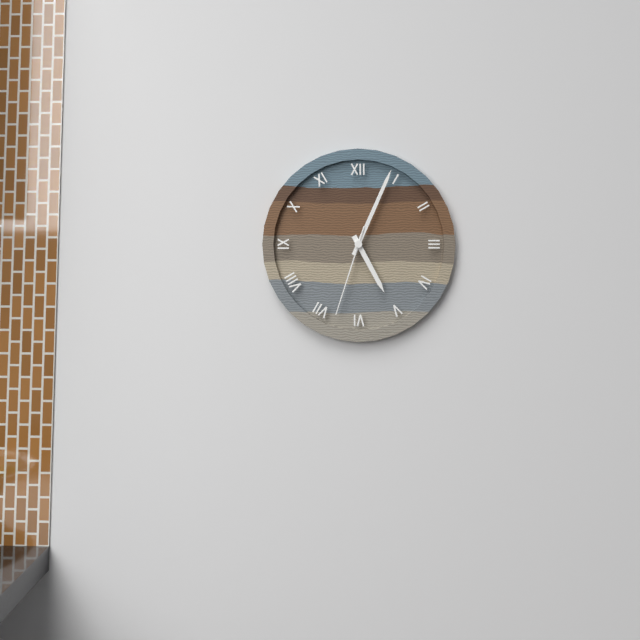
5,04,33
